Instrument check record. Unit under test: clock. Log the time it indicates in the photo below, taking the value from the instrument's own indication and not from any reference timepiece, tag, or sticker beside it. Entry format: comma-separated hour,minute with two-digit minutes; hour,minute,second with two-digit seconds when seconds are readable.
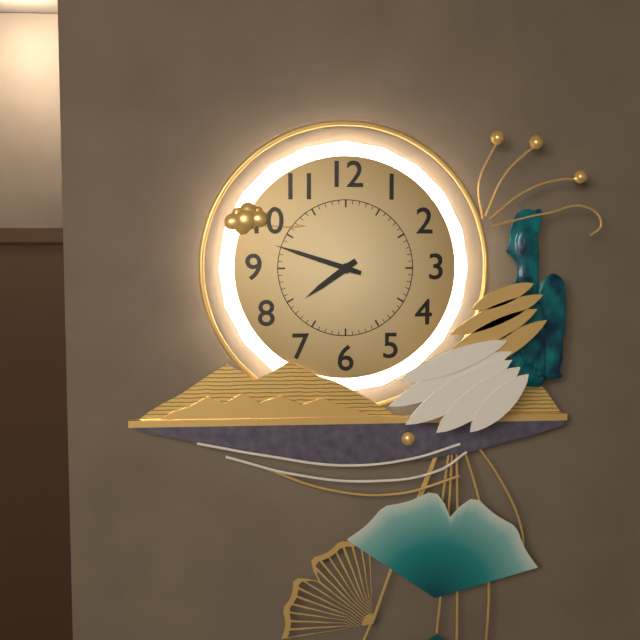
7,48
